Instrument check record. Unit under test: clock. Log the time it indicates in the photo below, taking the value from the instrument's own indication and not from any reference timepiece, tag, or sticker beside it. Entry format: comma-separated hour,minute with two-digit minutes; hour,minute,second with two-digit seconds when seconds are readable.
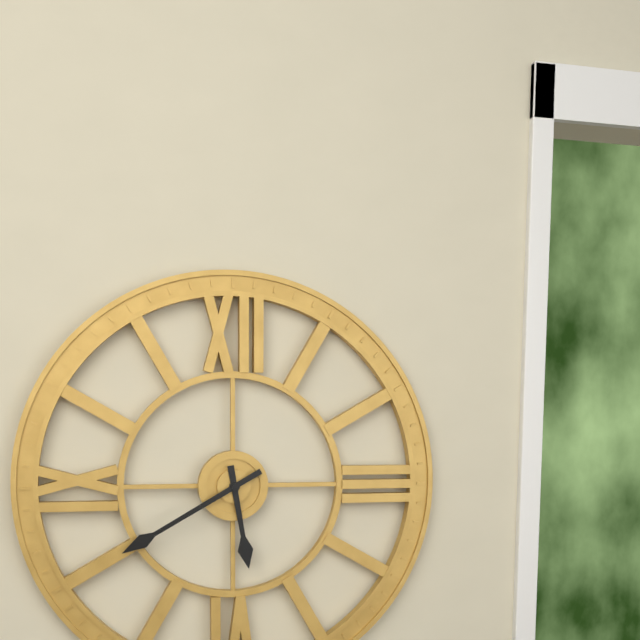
5,40
